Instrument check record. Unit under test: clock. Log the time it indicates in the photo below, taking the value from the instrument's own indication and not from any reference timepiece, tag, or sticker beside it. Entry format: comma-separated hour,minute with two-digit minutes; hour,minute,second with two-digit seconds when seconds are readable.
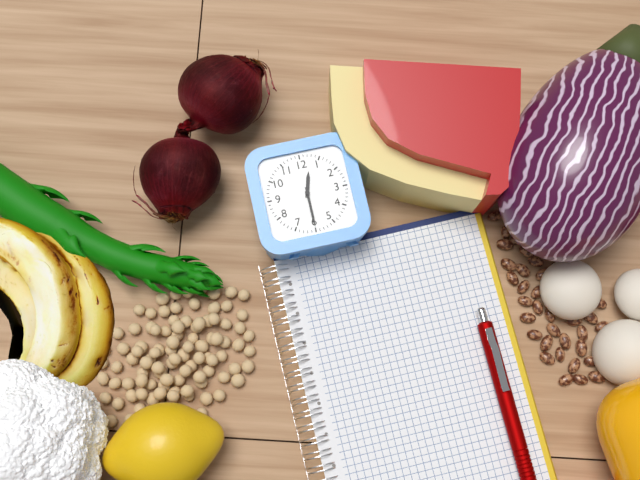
12,30
